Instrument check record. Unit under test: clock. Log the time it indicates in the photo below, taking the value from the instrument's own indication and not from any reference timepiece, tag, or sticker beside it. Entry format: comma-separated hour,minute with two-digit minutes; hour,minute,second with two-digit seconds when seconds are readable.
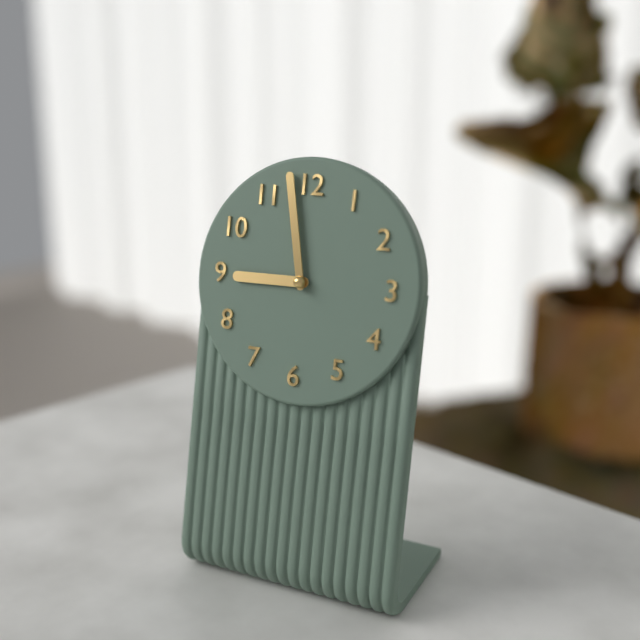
8,58
